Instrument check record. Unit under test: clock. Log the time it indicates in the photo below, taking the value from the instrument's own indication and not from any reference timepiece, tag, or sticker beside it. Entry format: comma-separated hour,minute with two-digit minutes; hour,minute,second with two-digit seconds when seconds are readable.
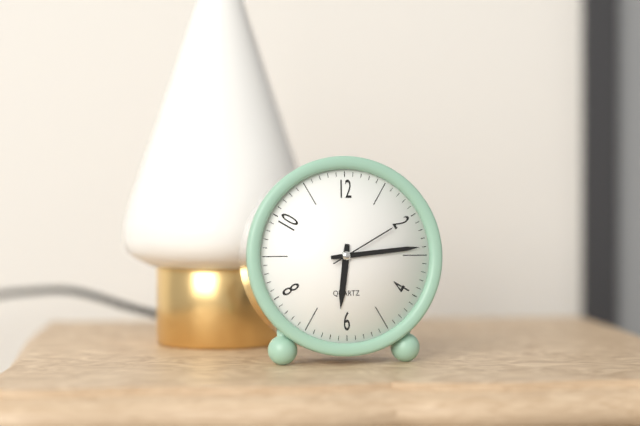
6,14,10
